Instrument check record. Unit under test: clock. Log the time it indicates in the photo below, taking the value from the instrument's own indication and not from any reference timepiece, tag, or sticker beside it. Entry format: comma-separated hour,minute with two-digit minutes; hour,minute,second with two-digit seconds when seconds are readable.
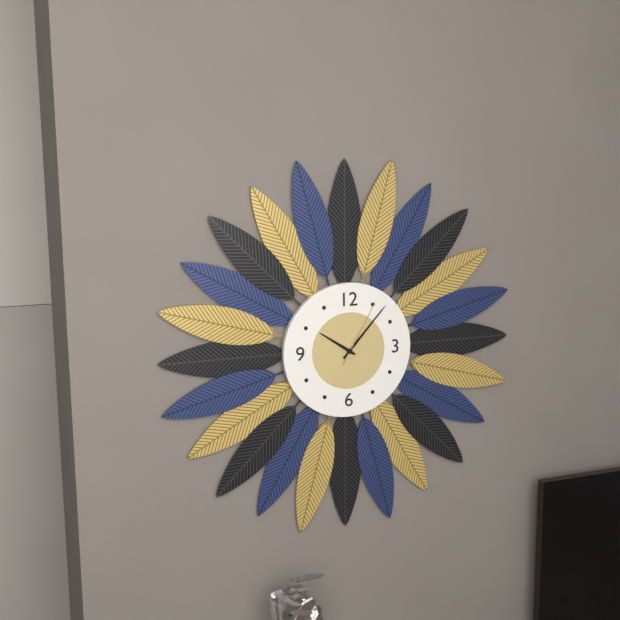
10,07,05
